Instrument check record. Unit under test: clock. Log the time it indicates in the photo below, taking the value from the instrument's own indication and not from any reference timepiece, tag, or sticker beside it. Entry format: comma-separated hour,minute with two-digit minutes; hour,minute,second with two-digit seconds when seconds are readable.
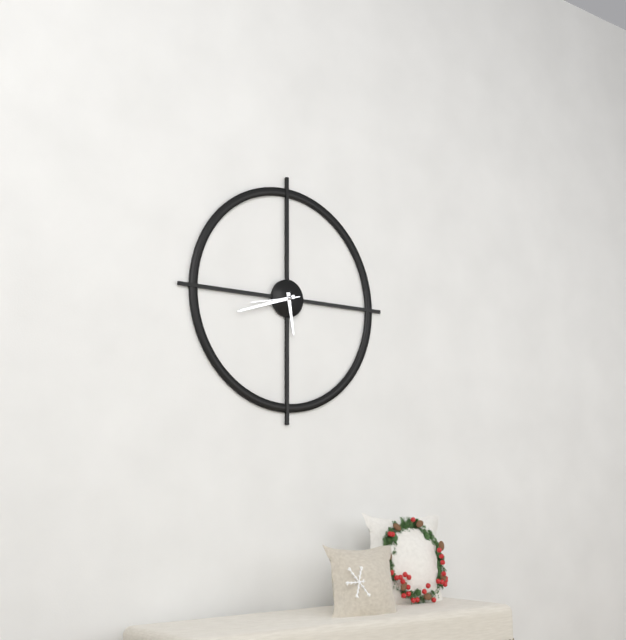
5,42
